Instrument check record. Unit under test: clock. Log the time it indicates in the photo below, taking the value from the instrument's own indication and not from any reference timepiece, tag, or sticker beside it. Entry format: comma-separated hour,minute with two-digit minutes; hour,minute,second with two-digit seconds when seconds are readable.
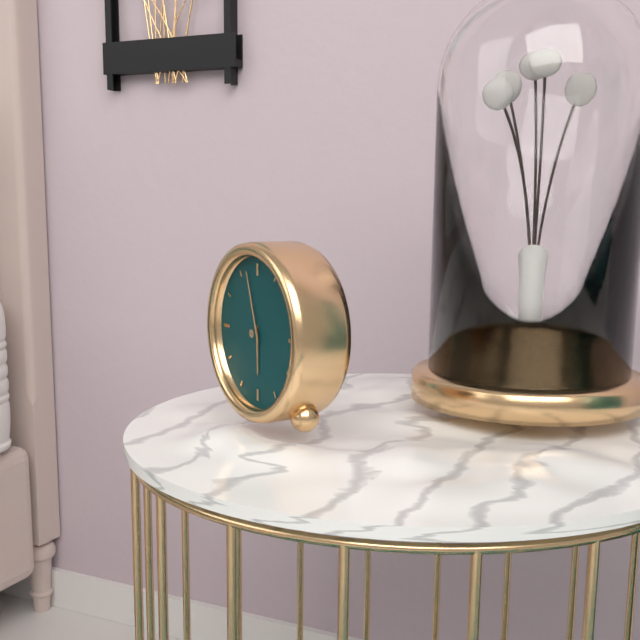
5,57
